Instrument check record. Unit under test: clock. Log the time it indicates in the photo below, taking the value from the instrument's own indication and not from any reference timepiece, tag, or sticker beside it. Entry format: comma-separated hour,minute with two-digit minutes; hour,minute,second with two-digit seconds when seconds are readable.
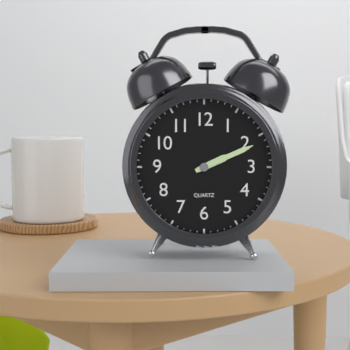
2,11
